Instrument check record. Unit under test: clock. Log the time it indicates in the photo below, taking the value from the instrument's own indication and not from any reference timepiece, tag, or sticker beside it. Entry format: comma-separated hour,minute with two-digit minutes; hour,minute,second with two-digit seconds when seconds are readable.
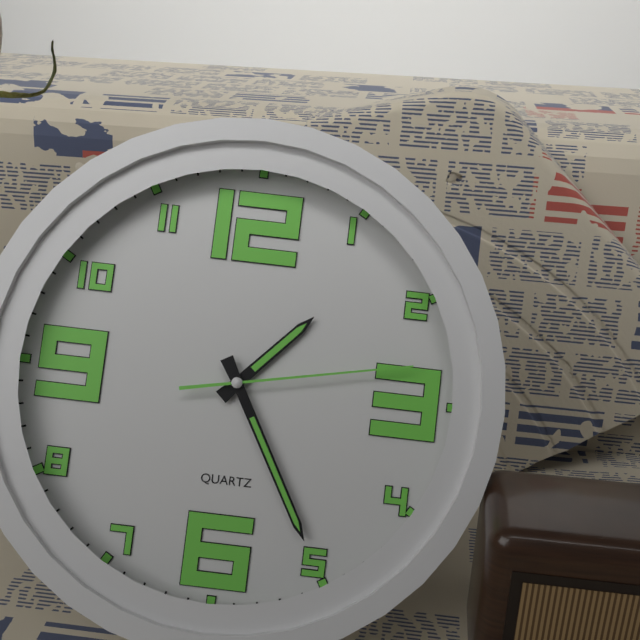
1,25,13
